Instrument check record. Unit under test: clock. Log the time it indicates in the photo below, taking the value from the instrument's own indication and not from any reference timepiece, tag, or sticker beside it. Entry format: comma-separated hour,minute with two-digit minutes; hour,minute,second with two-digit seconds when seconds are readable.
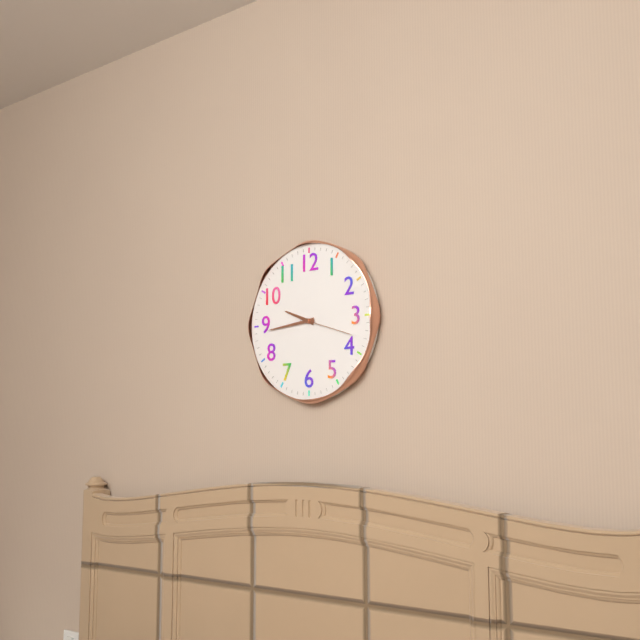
9,44,18
